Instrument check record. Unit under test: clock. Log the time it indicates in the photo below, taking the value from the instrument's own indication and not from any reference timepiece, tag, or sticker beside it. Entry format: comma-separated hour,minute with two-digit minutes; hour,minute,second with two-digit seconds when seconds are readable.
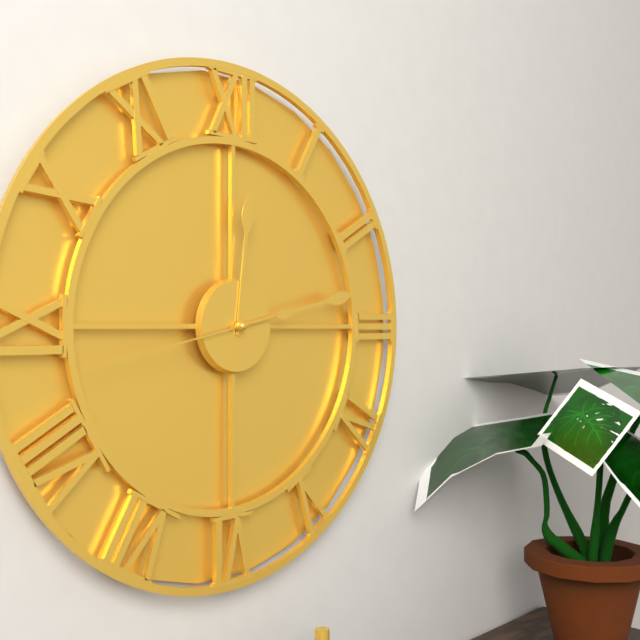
12,13,43
